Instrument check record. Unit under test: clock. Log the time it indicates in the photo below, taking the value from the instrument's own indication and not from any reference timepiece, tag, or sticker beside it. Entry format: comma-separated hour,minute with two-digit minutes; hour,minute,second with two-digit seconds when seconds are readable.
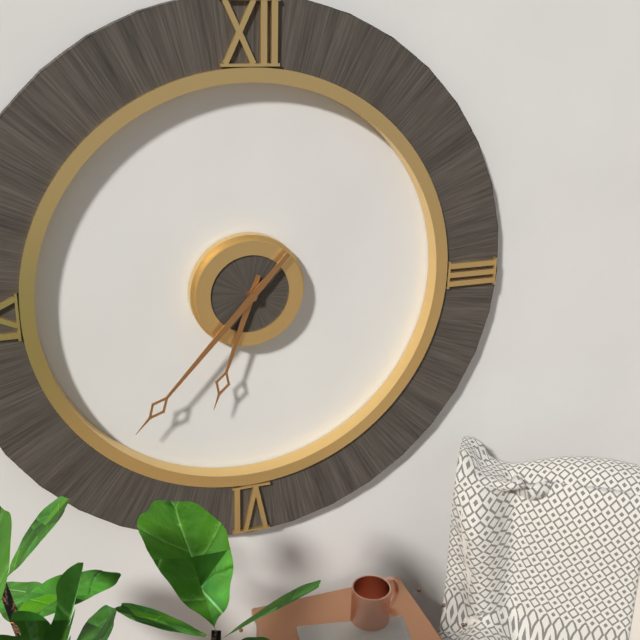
6,37
